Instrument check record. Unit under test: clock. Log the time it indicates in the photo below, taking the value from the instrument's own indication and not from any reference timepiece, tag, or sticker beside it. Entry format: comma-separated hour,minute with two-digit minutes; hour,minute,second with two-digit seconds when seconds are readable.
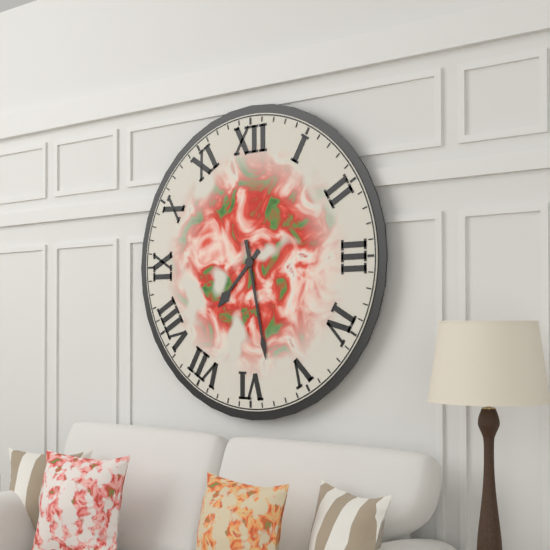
7,28
